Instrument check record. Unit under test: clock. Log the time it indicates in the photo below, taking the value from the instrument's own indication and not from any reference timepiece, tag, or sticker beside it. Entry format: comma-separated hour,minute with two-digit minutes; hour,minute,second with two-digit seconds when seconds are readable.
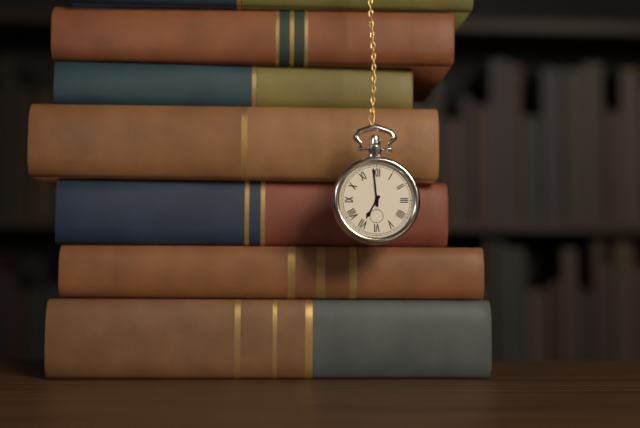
6,59
